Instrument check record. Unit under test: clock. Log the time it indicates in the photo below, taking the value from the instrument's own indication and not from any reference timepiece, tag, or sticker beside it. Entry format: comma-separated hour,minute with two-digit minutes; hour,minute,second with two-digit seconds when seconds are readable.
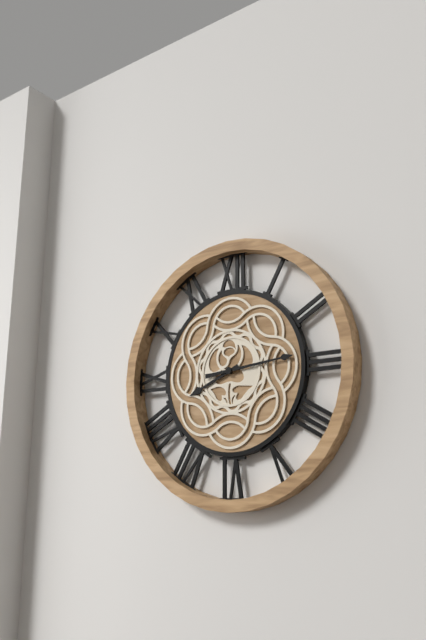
8,14
